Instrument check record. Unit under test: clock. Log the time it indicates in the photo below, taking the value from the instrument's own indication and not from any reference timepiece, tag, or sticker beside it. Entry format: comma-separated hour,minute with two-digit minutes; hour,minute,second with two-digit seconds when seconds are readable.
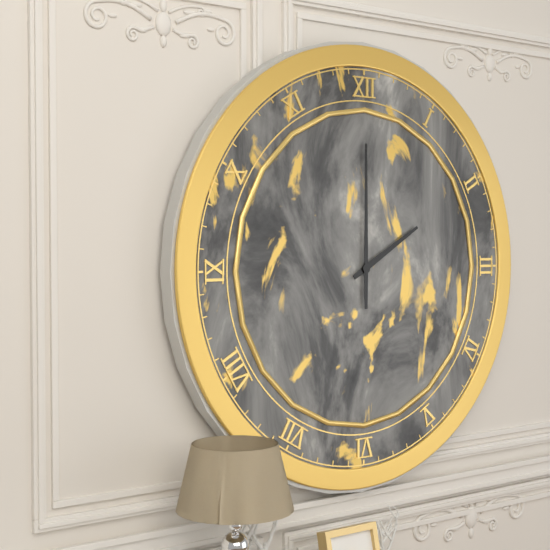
2,00
